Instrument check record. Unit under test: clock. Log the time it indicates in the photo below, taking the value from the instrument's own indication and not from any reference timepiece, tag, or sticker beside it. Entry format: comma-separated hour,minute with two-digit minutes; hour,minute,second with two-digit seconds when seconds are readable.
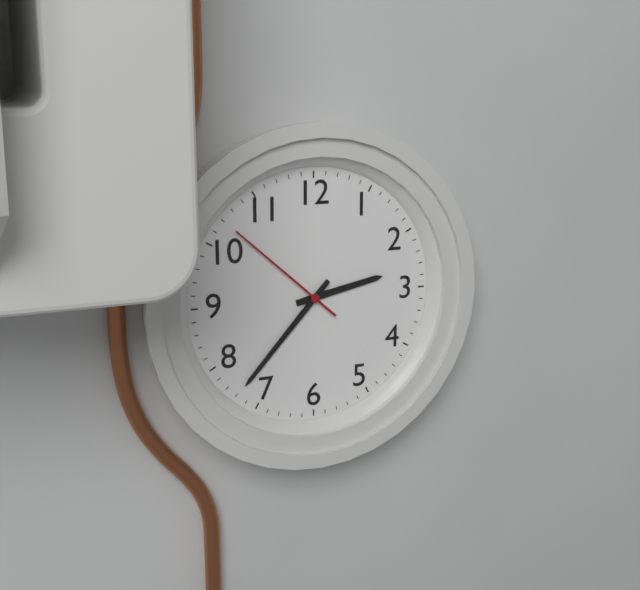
2,37,52
